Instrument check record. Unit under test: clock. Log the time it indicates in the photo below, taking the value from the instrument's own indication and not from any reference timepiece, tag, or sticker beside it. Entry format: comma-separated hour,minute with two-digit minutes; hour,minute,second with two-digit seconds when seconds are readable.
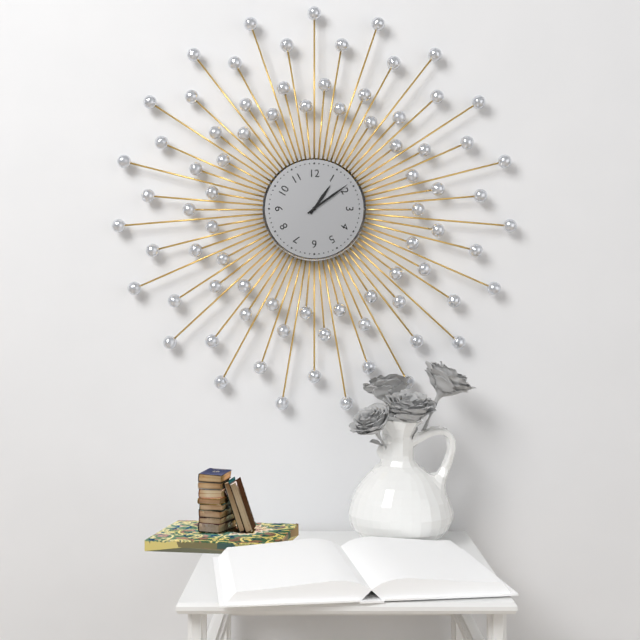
1,09
